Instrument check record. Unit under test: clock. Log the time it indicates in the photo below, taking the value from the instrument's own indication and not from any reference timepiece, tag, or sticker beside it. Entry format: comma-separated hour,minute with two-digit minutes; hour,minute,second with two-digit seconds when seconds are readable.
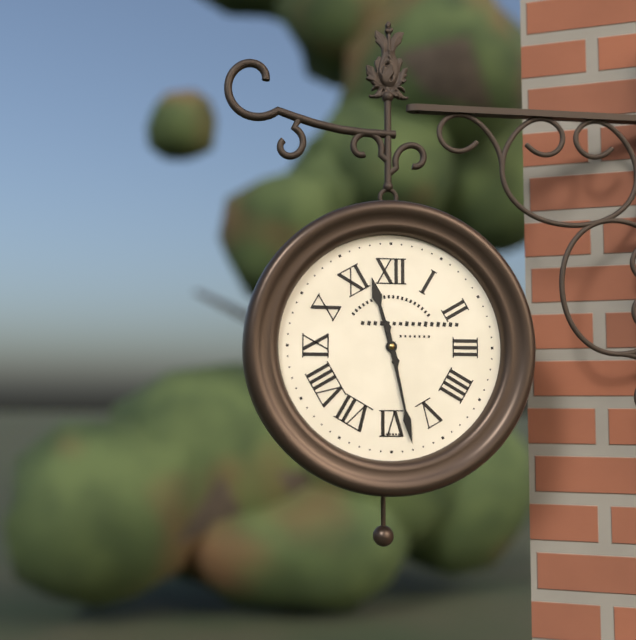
11,28
